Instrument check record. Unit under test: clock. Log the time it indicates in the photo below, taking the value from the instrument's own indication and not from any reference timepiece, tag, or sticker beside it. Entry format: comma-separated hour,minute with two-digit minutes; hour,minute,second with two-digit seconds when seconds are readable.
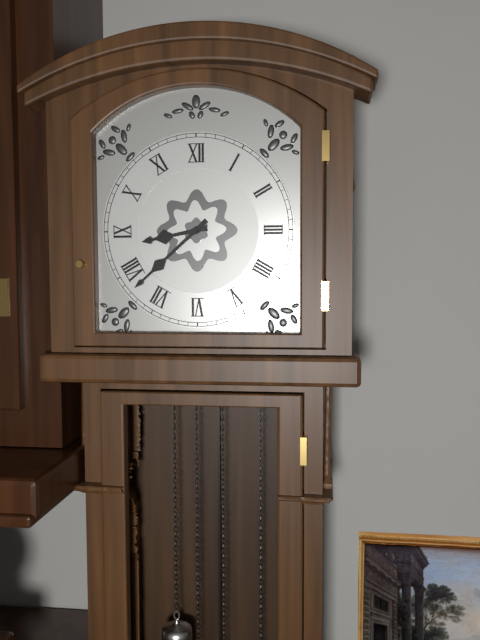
8,38
